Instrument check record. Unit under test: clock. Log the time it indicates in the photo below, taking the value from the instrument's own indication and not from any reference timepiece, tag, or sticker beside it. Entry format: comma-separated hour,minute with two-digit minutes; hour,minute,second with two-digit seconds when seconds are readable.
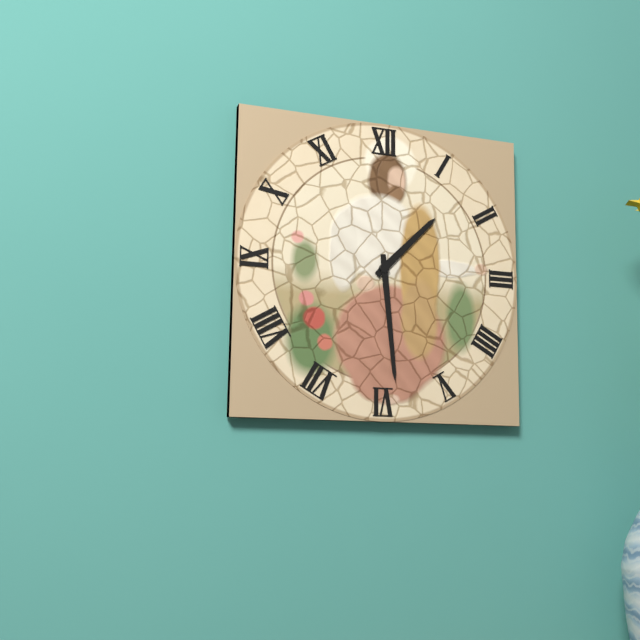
1,29
